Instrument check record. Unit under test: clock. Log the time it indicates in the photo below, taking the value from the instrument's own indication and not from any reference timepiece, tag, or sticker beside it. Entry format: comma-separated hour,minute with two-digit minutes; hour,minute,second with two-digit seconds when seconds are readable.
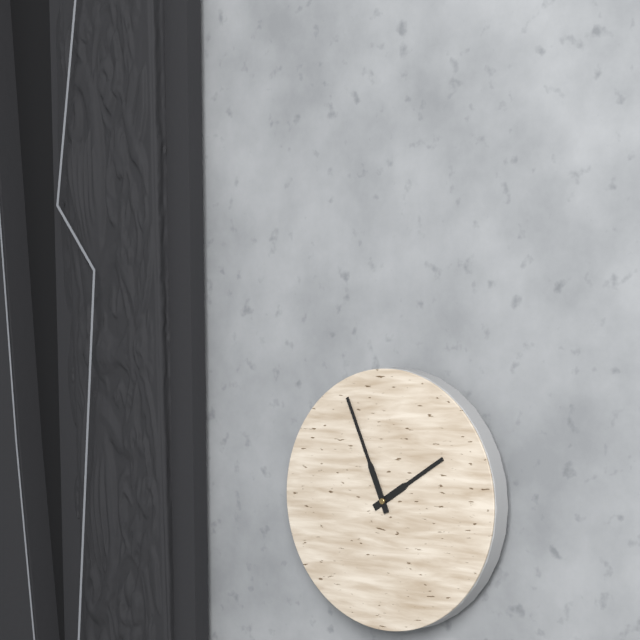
1,56
